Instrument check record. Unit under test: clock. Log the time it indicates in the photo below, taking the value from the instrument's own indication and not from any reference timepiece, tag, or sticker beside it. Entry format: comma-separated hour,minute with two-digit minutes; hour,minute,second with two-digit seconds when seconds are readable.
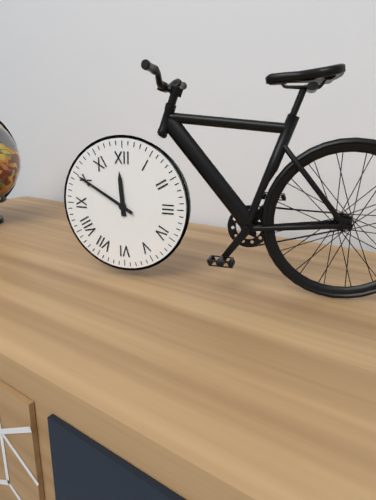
11,50
